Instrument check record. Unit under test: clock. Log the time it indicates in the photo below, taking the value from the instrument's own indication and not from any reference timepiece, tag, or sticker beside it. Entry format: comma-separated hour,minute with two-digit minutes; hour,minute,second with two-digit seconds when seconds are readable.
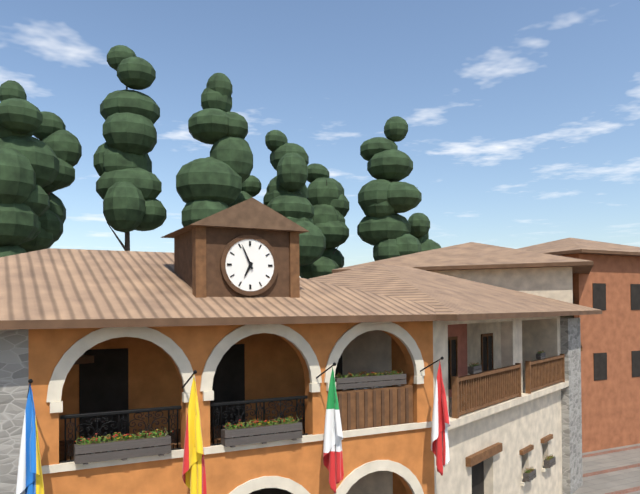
6,56
